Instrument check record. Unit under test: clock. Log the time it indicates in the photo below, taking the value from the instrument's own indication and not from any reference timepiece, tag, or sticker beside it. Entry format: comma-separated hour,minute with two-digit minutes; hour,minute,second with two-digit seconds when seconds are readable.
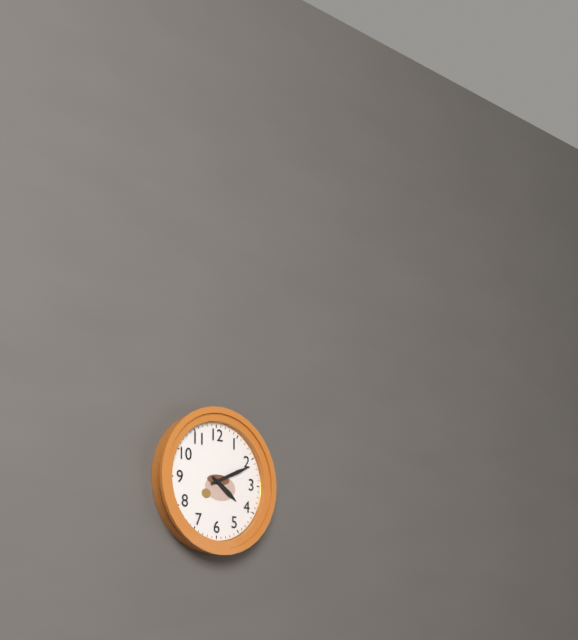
4,11
